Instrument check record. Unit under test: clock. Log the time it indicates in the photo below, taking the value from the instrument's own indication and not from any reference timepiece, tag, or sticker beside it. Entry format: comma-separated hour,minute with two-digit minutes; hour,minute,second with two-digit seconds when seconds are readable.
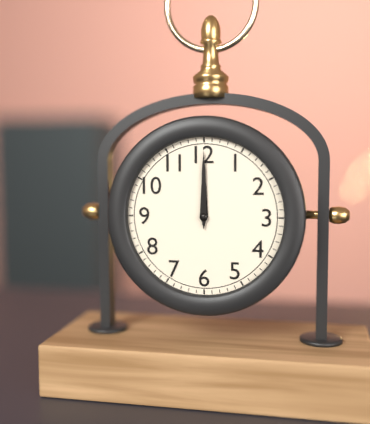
12,00
